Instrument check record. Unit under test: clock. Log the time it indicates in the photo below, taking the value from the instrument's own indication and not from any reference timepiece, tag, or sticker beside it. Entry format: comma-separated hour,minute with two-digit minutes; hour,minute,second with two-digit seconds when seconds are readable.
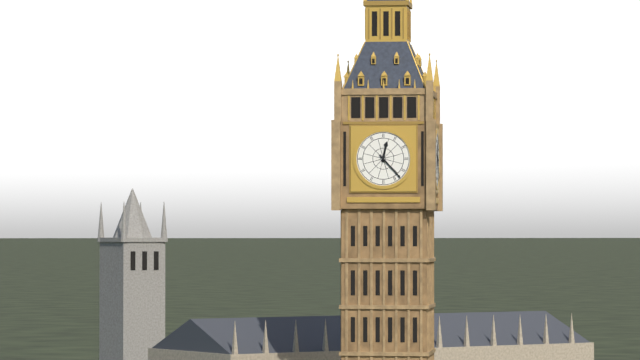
12,23
